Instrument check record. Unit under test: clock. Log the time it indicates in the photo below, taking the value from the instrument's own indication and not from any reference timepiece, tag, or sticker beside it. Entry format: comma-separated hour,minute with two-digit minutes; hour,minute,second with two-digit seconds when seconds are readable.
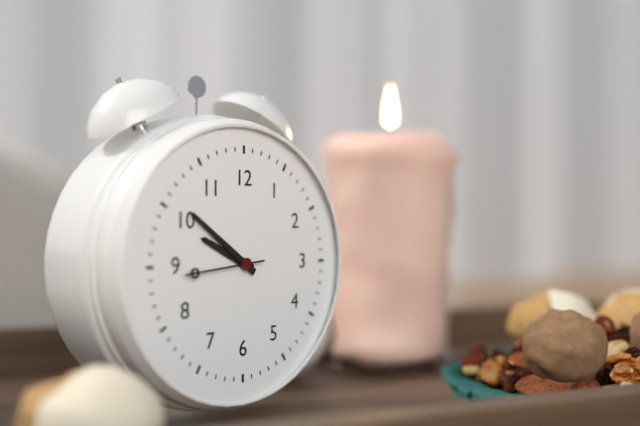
9,51,44
